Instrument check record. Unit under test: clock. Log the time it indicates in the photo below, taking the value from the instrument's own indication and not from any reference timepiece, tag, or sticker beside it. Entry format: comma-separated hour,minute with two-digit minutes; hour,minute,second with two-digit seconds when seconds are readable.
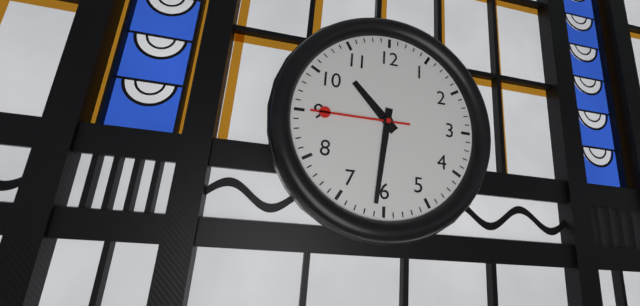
10,31,45
